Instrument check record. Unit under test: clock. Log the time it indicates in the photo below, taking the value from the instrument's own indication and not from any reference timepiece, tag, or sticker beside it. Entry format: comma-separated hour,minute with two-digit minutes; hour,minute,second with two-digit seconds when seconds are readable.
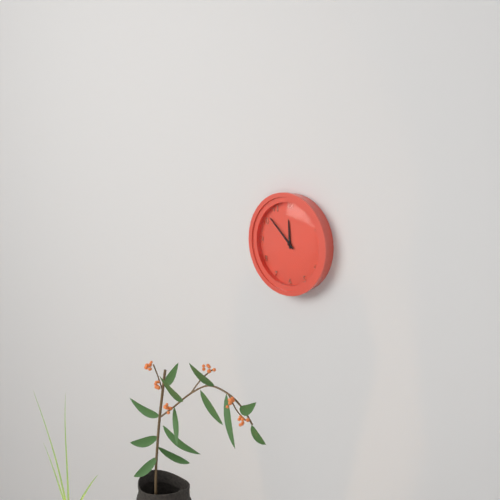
11,52
